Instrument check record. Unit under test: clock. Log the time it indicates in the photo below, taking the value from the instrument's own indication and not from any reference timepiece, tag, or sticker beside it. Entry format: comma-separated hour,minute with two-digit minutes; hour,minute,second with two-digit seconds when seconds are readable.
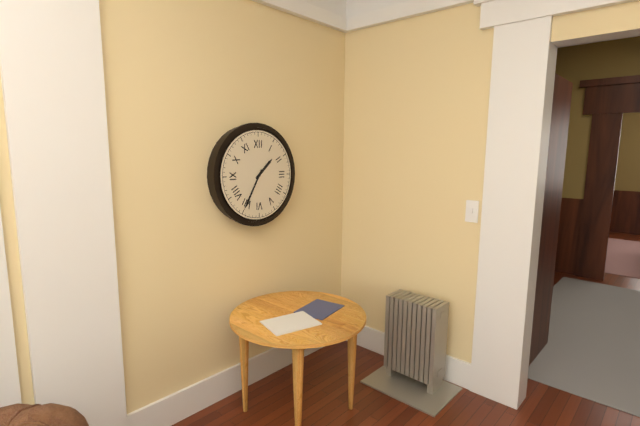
1,35
